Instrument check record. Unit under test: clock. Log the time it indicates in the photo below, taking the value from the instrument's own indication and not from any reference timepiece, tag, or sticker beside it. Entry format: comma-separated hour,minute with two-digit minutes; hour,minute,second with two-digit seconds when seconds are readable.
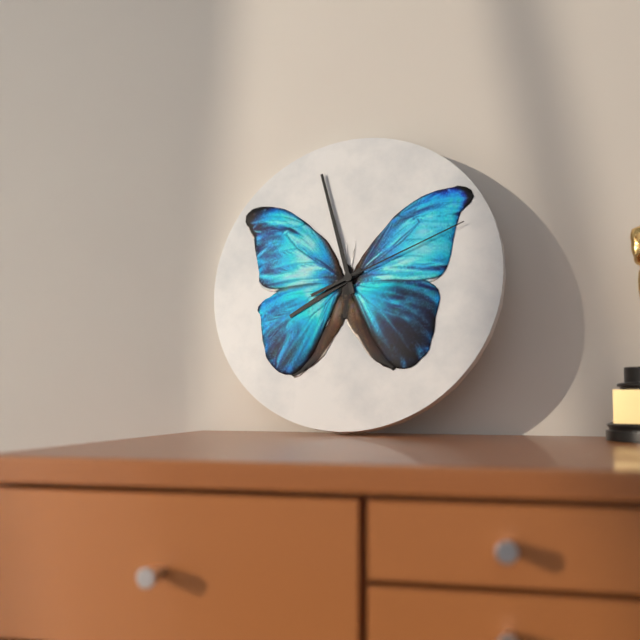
7,57,11
